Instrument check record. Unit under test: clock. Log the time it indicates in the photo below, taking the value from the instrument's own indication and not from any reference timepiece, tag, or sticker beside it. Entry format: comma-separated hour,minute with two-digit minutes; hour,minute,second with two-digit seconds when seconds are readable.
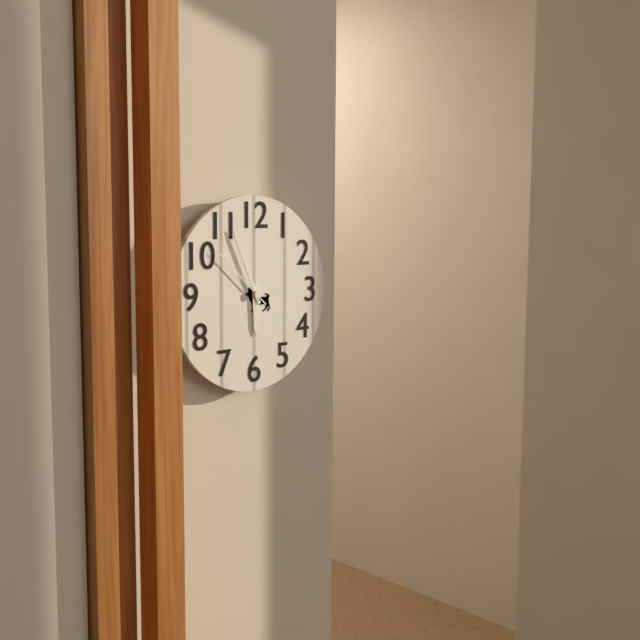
5,56,52
